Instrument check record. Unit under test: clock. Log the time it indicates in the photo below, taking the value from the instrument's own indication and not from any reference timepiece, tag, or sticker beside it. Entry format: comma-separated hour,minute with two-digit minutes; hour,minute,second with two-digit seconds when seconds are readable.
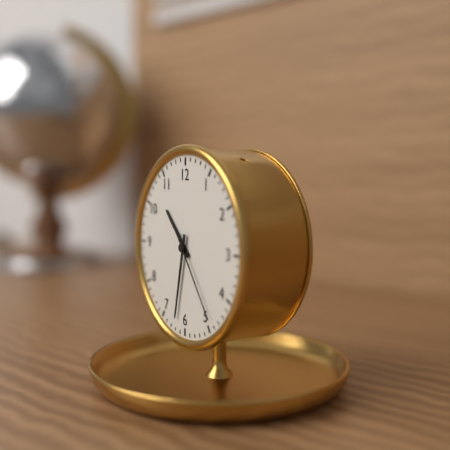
10,32,24
